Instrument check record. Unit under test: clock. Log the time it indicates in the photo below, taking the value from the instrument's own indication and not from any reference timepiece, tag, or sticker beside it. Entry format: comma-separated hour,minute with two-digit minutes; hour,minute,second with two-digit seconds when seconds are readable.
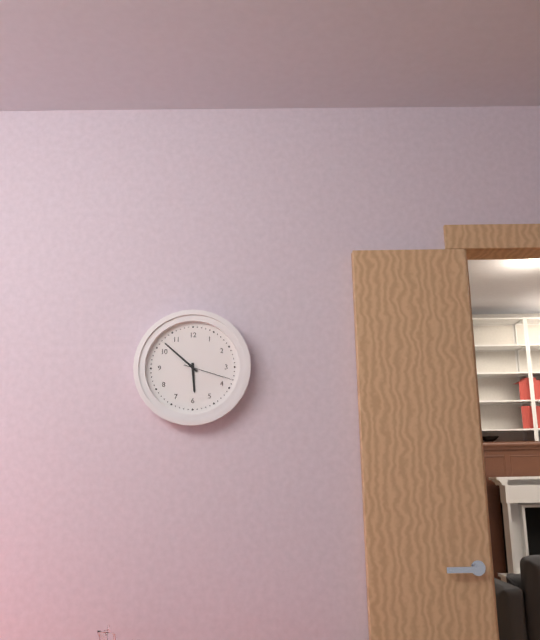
5,52,18
